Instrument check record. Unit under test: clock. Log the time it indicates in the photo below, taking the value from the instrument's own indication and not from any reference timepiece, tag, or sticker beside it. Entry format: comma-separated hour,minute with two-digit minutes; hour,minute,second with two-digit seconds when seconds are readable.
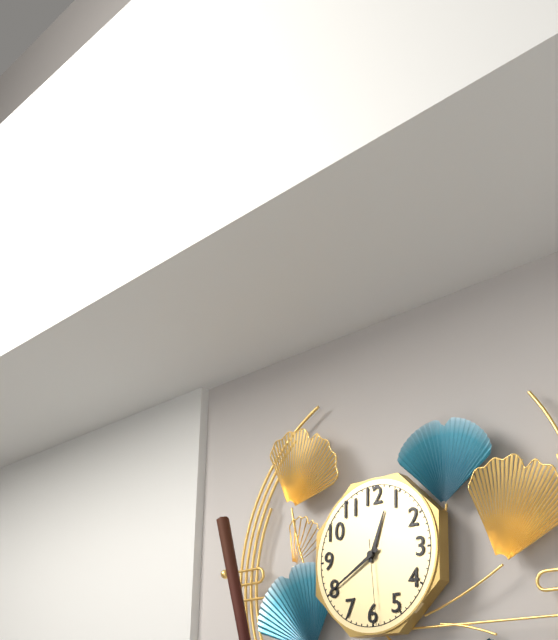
12,40,29
